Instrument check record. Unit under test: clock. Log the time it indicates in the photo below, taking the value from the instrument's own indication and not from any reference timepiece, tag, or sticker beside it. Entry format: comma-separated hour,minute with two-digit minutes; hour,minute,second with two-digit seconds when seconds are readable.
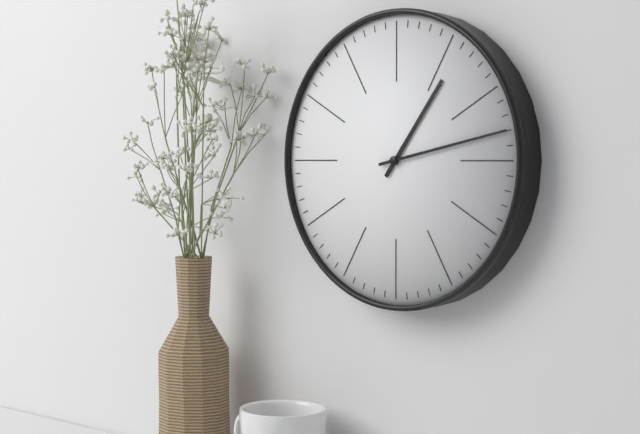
1,13
